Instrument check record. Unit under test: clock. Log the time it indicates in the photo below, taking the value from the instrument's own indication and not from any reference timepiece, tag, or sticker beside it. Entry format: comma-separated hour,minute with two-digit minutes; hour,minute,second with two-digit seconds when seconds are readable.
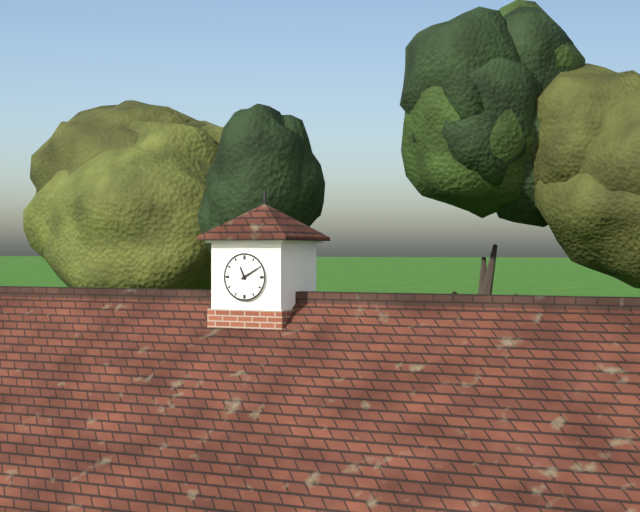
11,10
